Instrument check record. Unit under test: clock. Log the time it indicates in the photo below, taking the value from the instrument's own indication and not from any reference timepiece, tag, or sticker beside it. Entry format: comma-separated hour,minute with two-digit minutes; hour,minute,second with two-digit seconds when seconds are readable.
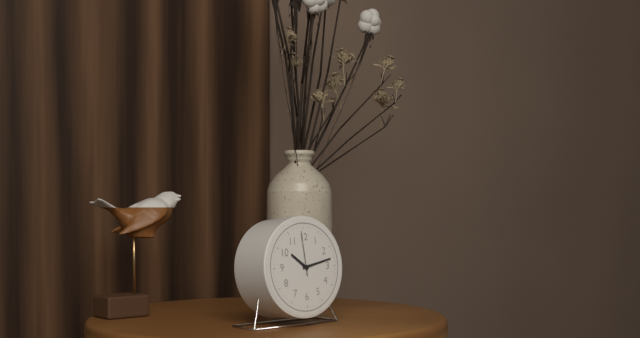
10,13
